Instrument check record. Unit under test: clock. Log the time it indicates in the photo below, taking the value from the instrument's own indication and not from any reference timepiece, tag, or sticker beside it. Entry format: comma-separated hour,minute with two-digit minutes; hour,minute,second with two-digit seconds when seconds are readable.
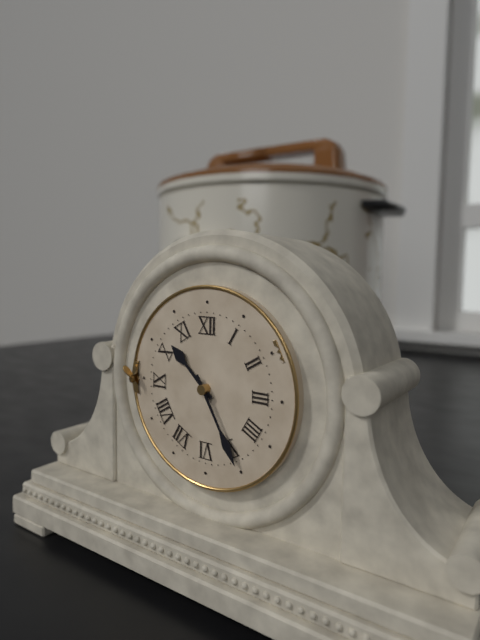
10,25
